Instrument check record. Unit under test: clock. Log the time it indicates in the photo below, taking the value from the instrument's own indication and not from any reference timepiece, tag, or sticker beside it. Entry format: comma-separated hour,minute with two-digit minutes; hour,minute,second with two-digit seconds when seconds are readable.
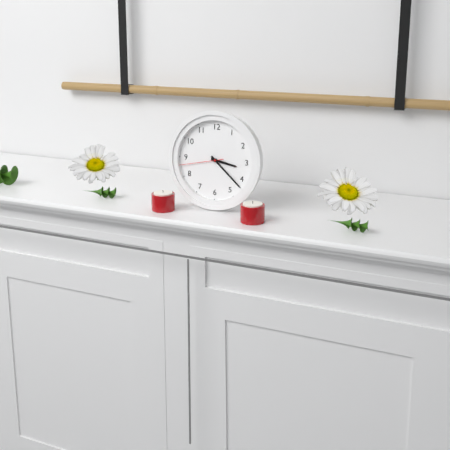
3,22
